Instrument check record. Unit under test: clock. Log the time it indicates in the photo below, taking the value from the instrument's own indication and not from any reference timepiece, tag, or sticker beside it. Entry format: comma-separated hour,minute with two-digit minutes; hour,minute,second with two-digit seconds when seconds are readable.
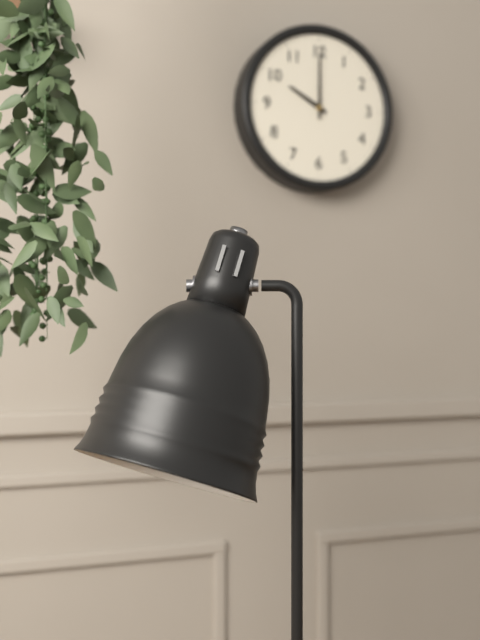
10,00
